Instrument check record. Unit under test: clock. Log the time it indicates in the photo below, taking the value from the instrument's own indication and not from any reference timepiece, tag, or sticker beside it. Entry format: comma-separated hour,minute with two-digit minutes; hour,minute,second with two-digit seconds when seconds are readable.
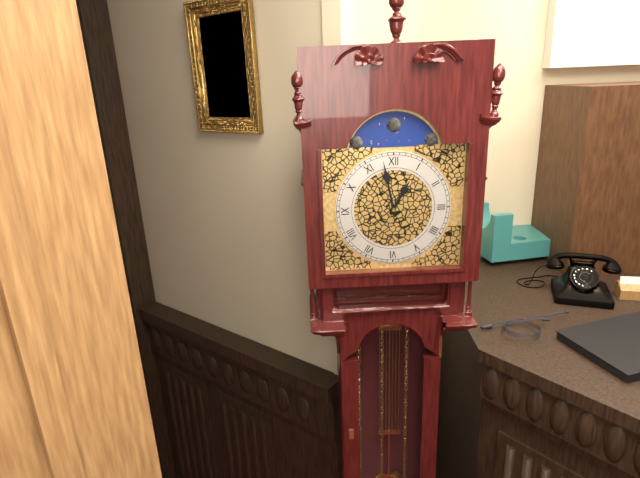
12,58
